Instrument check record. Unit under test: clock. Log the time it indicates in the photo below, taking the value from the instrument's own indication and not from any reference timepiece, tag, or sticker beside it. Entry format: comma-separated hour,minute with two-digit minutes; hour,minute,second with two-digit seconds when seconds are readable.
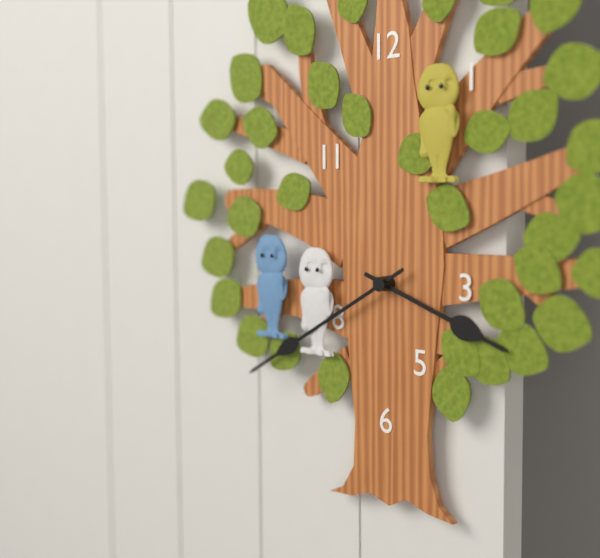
3,40
